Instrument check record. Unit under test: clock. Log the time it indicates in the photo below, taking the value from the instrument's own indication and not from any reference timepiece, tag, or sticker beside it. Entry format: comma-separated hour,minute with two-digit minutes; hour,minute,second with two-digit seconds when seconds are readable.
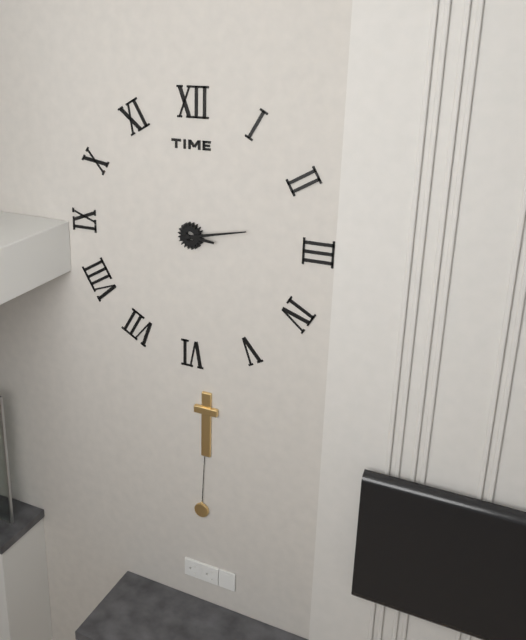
3,13
